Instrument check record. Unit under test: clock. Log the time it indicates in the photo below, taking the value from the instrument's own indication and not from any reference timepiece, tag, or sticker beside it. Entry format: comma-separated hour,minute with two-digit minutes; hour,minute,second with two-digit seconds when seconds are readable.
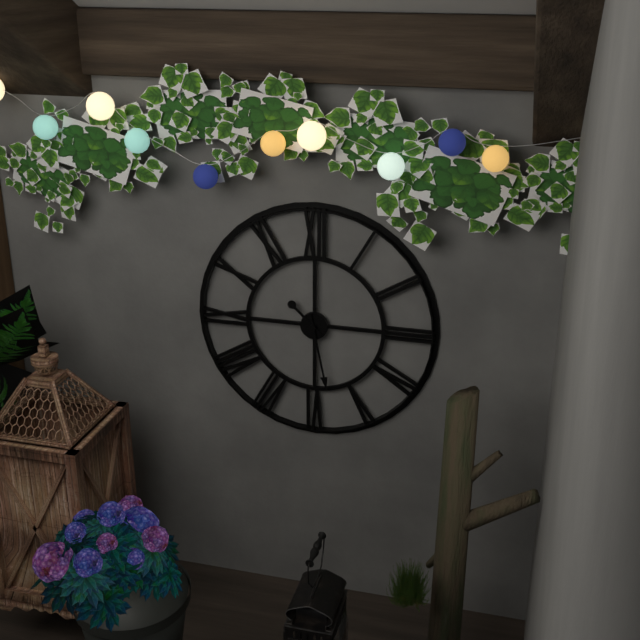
10,28
